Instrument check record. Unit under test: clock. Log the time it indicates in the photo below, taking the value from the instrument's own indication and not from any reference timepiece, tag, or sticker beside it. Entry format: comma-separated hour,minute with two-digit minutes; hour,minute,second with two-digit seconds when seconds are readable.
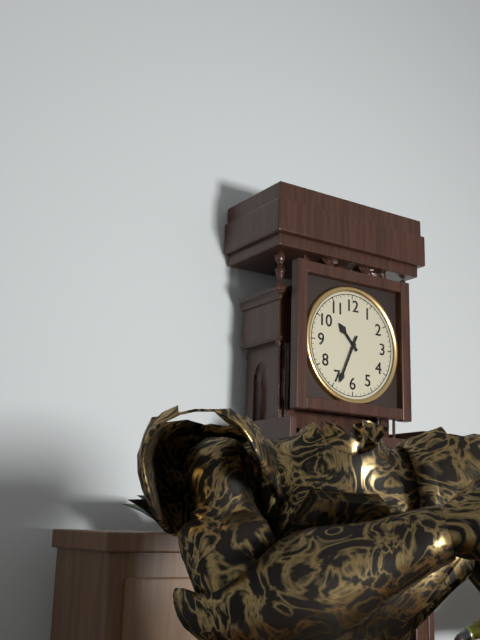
10,34
